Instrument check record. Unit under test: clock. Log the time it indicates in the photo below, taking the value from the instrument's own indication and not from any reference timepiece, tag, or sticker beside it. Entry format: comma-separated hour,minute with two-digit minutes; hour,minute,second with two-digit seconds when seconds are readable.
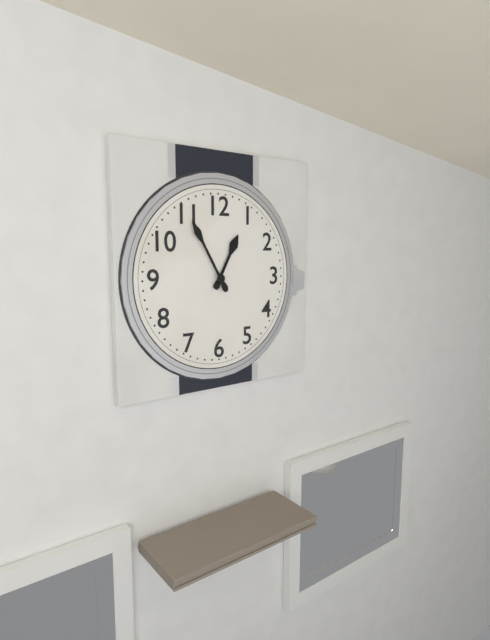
12,55
